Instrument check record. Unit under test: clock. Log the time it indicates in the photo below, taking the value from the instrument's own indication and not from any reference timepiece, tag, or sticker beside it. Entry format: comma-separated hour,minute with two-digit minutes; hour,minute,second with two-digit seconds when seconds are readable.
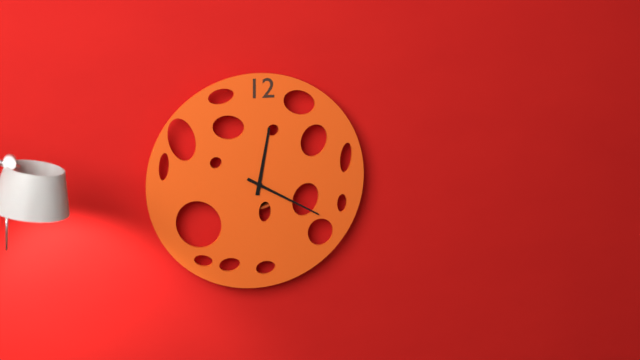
12,20
